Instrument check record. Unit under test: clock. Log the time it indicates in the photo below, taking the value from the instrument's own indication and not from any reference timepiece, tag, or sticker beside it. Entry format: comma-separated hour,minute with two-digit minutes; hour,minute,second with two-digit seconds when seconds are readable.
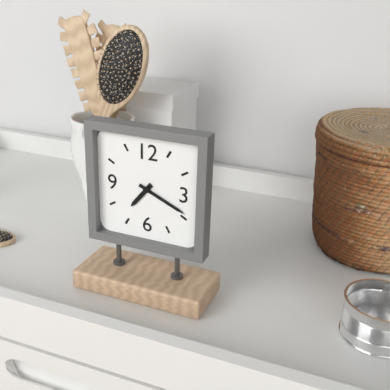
7,19
